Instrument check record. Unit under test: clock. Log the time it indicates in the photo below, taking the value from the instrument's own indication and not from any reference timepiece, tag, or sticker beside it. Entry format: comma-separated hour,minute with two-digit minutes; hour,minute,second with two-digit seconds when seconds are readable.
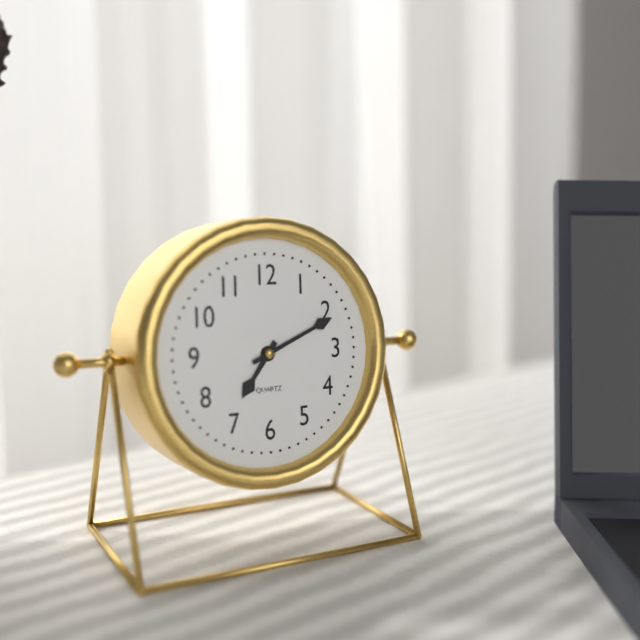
7,11
